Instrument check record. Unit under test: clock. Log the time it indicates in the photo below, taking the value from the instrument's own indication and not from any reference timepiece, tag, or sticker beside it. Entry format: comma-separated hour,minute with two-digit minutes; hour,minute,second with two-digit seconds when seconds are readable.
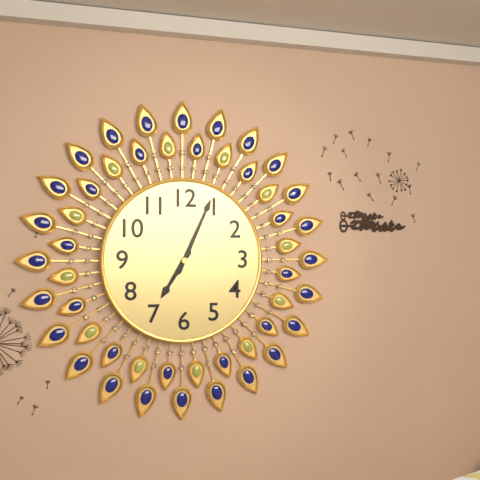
7,04
